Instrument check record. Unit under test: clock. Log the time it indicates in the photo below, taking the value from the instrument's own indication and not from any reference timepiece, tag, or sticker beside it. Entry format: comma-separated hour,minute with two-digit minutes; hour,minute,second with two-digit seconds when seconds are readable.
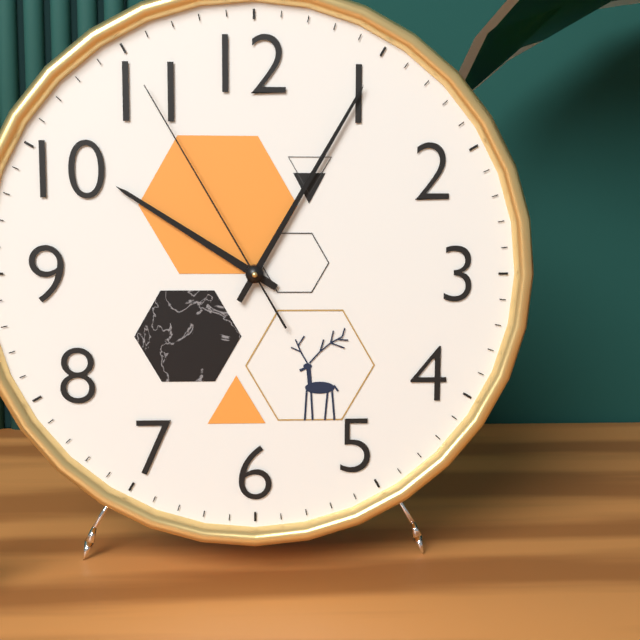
10,05,55
